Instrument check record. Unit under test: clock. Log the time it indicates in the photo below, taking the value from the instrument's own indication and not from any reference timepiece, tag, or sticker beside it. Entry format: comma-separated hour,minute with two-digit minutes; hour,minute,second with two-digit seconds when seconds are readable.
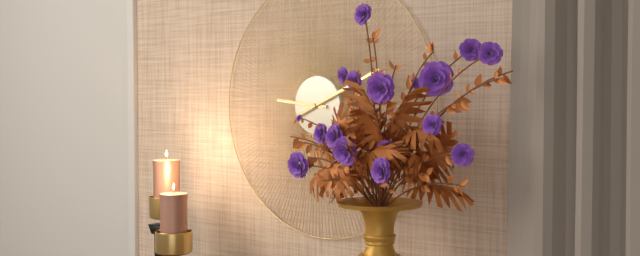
9,11
